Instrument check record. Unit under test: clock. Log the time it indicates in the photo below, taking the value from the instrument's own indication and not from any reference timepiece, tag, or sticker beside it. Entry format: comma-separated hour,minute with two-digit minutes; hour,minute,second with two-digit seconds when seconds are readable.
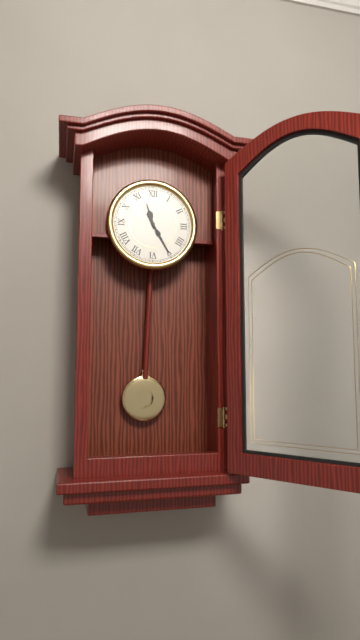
11,25
